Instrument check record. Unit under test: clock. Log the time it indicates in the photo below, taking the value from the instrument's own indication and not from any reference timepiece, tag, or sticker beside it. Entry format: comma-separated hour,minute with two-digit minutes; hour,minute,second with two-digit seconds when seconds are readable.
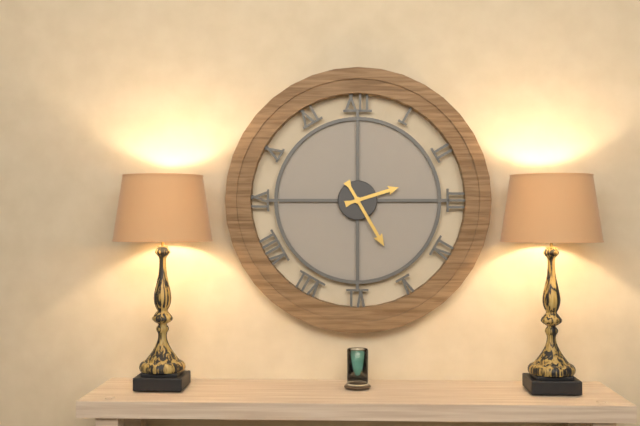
2,25
